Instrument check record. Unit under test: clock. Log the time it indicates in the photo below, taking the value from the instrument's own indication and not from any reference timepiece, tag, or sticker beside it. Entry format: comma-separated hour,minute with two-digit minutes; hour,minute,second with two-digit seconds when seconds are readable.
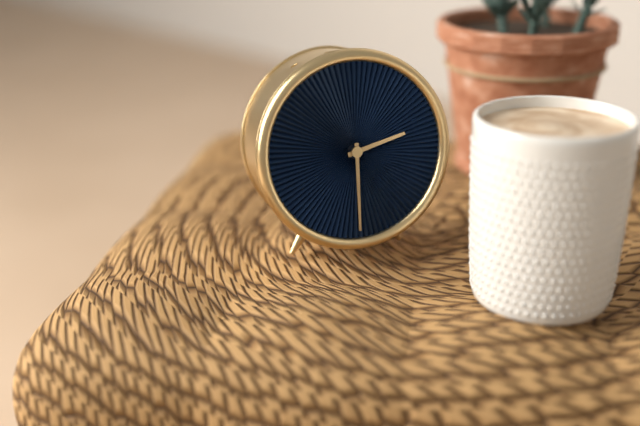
2,30
